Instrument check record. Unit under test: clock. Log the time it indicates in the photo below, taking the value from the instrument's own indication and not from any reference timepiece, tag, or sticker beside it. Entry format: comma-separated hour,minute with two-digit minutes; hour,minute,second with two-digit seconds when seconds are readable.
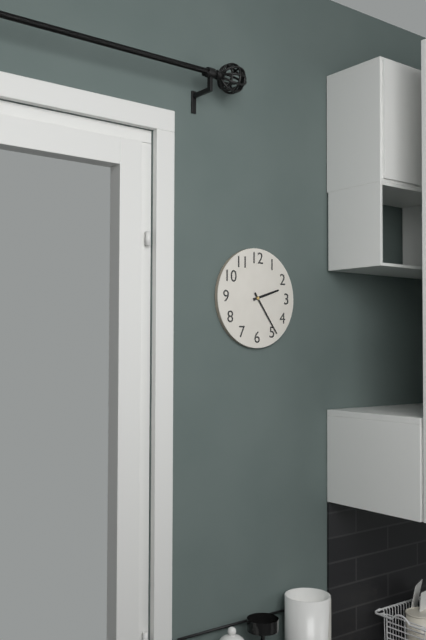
2,24
